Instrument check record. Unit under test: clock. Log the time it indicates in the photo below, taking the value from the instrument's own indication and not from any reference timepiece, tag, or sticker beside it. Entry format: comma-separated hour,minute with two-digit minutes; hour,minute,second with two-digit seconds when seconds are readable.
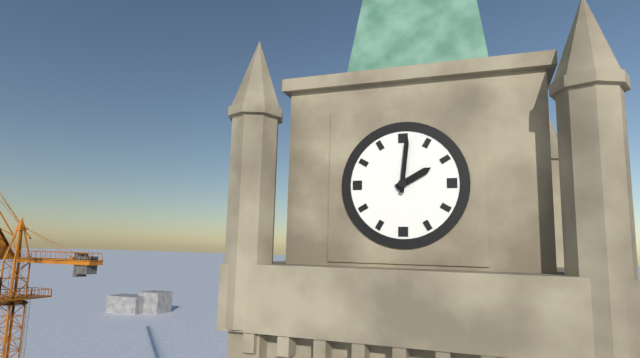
2,01
